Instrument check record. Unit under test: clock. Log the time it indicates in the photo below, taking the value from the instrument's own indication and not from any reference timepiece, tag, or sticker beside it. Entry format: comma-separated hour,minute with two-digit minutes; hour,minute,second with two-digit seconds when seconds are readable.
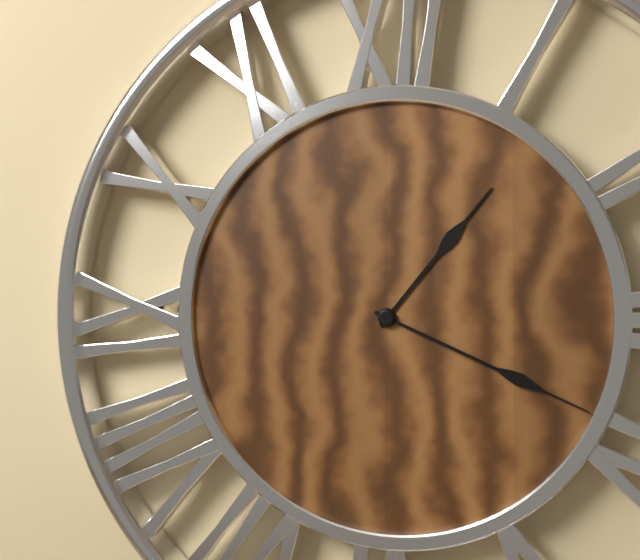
1,19
